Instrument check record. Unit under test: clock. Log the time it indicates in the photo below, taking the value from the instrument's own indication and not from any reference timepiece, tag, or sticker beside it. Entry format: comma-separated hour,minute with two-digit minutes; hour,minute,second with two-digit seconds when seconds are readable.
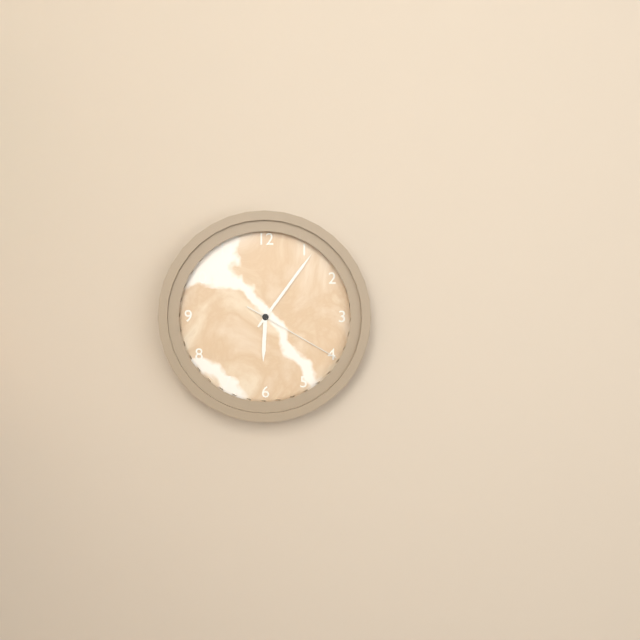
6,06,20
